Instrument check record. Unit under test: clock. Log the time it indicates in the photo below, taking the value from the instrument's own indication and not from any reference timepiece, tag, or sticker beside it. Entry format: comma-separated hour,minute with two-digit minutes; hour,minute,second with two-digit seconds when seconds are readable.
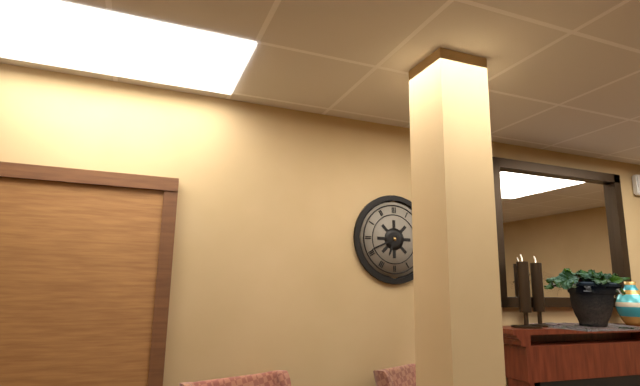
6,41
